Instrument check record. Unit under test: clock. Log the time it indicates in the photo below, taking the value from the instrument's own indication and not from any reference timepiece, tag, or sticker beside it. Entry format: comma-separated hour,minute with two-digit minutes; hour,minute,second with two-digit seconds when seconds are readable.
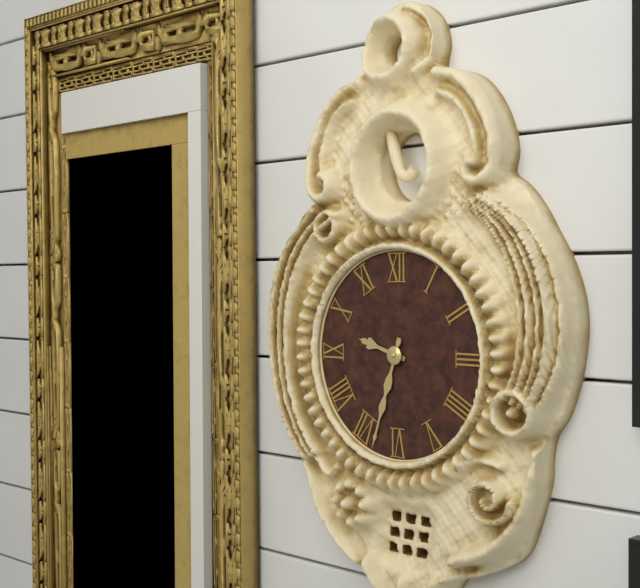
9,33
